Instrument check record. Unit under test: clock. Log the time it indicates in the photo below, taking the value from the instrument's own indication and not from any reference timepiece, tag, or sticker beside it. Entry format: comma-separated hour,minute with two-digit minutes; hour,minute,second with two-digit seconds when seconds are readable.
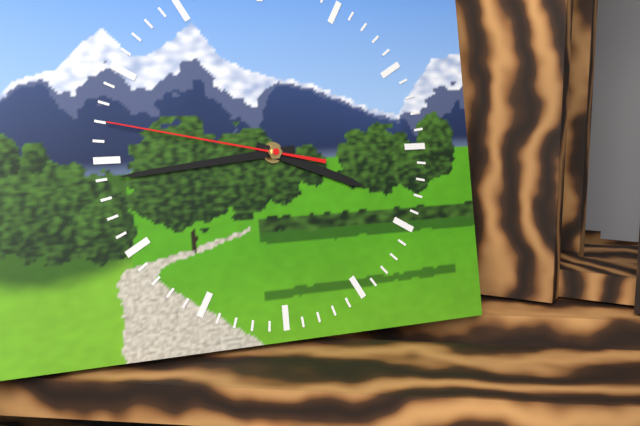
3,44,47
